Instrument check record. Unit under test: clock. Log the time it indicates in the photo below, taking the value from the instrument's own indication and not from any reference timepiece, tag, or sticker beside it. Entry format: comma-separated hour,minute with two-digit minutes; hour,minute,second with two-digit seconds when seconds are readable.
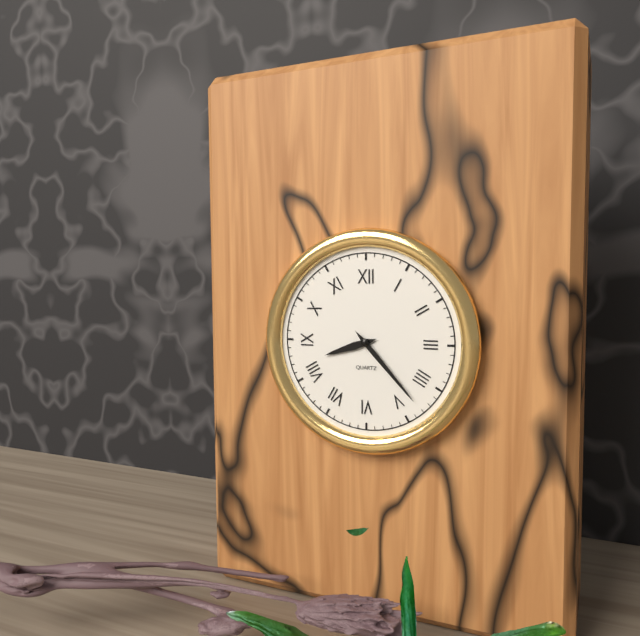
8,23
